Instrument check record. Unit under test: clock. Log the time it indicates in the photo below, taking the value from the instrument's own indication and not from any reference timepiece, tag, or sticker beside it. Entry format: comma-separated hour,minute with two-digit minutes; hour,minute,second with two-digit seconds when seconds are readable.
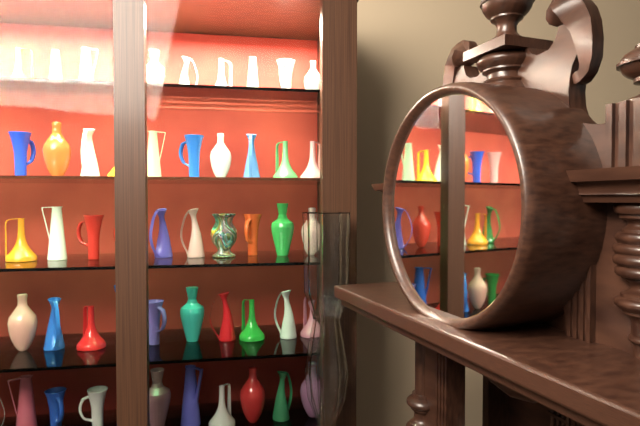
10,21
